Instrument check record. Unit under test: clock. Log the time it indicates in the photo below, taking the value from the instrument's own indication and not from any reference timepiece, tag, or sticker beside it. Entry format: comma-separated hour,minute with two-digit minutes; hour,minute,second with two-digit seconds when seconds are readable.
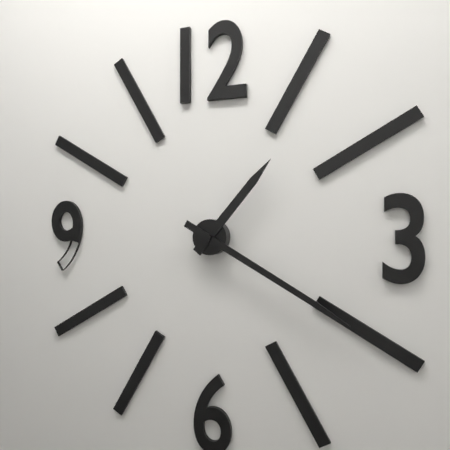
1,20
